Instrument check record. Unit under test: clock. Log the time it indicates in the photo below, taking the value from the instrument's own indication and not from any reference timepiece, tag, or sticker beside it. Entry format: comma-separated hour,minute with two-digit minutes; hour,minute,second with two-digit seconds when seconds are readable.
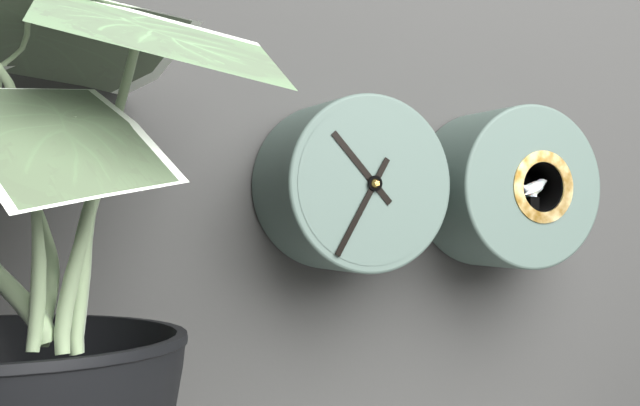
10,35
